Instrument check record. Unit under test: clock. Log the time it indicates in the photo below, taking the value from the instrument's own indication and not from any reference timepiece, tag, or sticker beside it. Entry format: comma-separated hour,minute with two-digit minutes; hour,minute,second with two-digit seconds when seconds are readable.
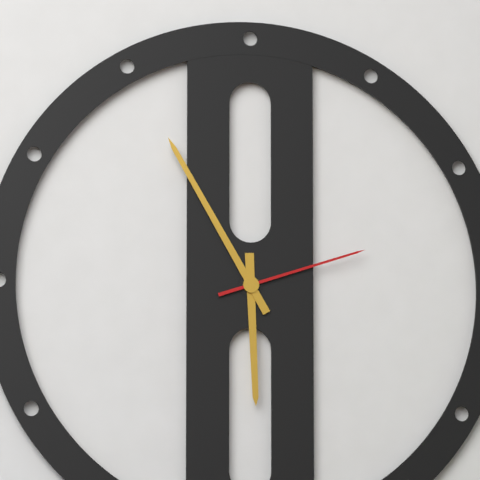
5,55,12
